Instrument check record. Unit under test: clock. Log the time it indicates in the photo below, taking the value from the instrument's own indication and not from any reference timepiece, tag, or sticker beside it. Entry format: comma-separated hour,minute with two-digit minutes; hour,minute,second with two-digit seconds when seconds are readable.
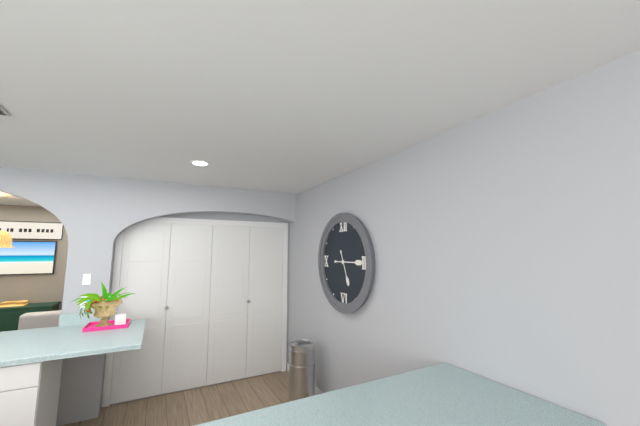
5,15
